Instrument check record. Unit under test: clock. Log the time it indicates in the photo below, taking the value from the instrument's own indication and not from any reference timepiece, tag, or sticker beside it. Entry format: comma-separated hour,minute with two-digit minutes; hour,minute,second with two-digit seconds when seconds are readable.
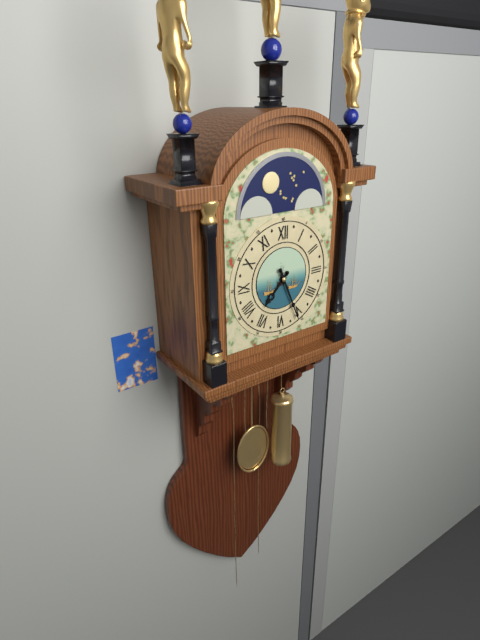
7,26
